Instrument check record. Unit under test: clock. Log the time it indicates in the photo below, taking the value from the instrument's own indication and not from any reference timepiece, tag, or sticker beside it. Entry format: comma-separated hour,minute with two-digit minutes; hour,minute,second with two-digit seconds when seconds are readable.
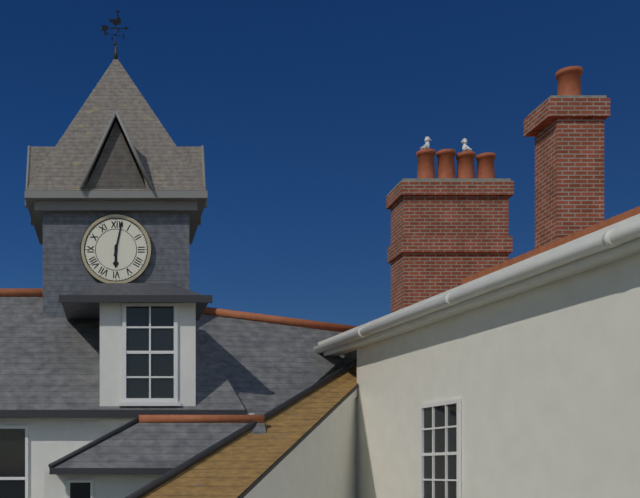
6,02
